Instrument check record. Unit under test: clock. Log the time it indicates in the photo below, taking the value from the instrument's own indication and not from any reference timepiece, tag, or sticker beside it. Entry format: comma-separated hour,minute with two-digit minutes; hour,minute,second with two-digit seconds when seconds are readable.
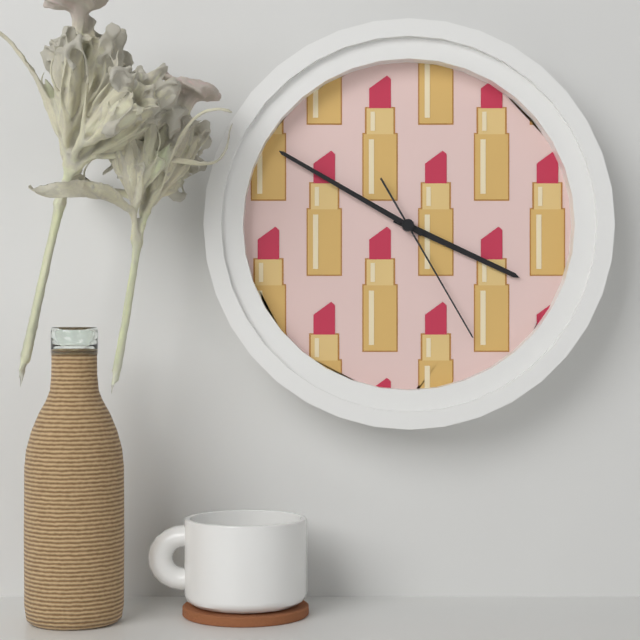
3,50,25
